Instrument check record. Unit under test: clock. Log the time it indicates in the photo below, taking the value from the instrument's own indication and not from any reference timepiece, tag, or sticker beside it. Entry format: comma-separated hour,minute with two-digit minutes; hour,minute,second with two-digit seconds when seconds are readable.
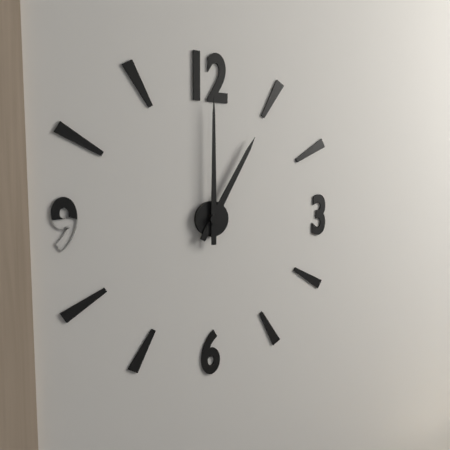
1,00
